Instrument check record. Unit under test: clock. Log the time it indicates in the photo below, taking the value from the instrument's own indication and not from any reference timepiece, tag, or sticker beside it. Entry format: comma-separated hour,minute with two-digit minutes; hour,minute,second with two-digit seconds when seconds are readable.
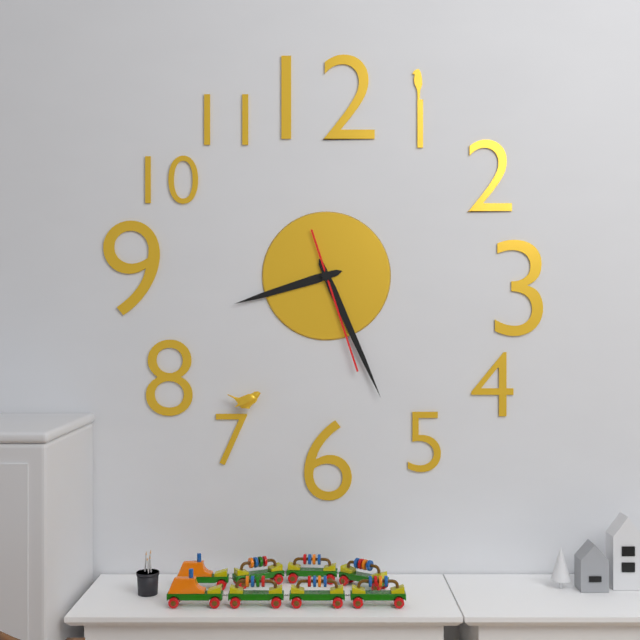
8,26,27
